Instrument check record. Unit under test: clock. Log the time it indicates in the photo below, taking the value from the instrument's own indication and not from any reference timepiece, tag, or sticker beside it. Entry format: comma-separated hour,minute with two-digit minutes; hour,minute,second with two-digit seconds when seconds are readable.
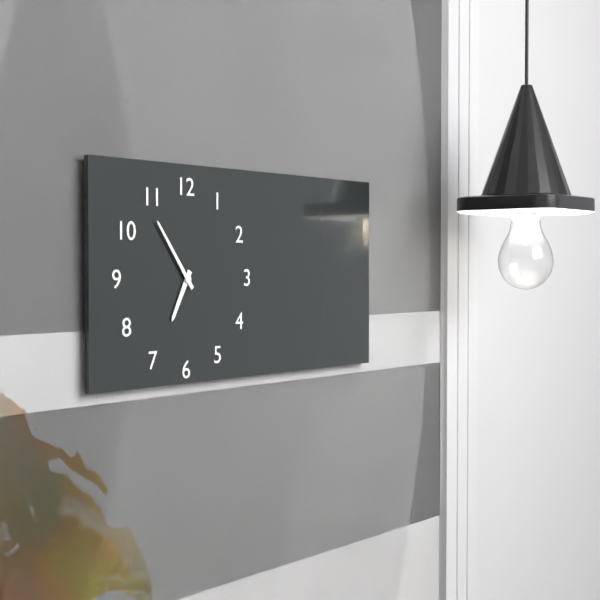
6,54
